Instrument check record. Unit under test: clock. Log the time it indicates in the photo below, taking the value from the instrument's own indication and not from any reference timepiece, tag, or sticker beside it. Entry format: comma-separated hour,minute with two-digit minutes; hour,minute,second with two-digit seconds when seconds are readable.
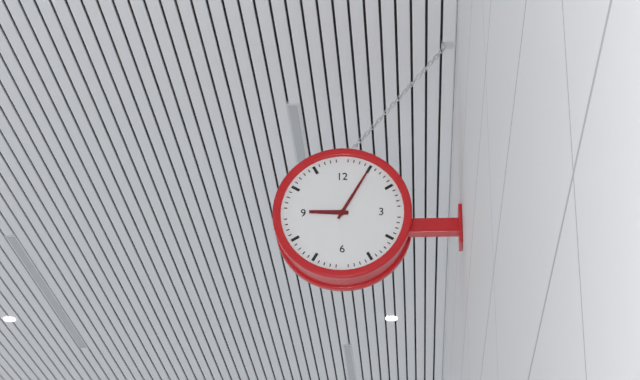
9,05
